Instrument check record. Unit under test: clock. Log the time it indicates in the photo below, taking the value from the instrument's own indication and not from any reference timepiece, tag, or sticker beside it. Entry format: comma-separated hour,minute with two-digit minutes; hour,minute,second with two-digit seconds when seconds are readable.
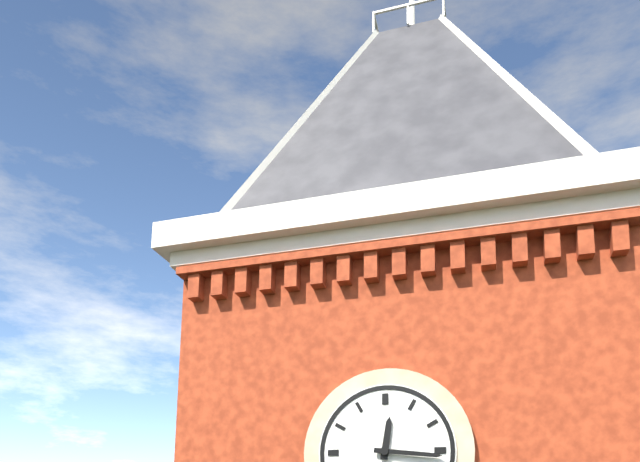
12,16
